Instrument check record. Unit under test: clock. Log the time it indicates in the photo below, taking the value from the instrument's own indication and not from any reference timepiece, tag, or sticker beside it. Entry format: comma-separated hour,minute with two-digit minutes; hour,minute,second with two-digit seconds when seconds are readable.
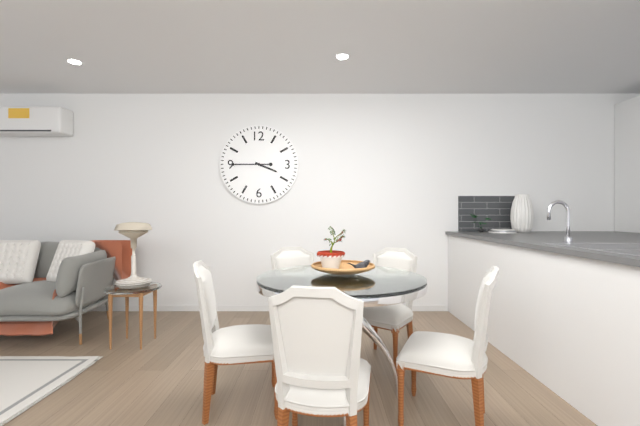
3,45
